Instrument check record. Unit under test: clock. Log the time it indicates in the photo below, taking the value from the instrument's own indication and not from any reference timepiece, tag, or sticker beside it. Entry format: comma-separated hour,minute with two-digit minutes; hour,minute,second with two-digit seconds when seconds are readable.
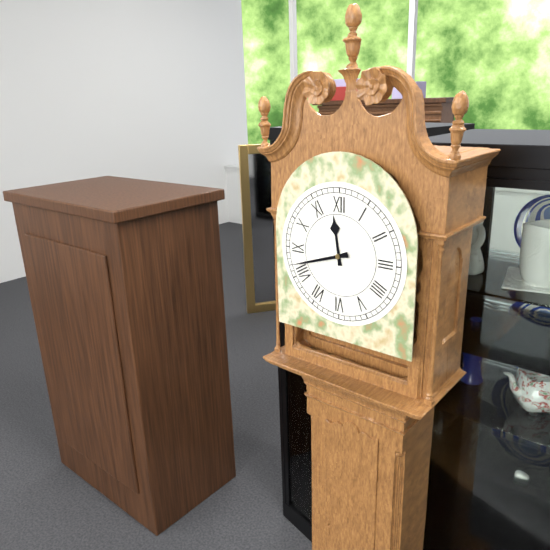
11,42
